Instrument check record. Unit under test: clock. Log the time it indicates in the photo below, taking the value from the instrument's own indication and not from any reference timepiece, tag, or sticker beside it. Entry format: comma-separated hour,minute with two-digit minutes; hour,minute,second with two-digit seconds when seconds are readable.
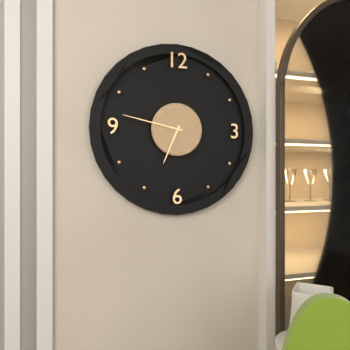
6,47
